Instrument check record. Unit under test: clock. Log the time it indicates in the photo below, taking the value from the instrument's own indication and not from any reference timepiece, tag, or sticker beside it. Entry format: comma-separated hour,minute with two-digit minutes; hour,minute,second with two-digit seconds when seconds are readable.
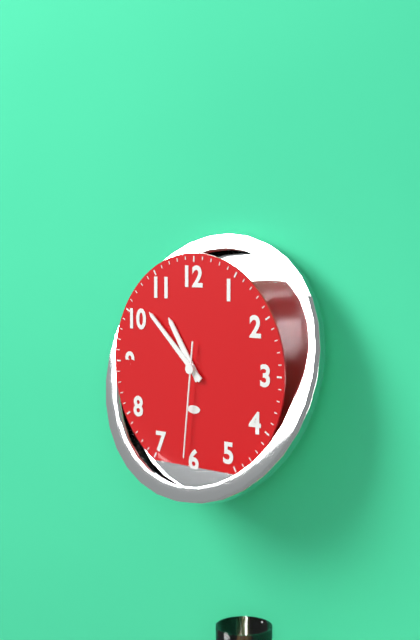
10,52,31
